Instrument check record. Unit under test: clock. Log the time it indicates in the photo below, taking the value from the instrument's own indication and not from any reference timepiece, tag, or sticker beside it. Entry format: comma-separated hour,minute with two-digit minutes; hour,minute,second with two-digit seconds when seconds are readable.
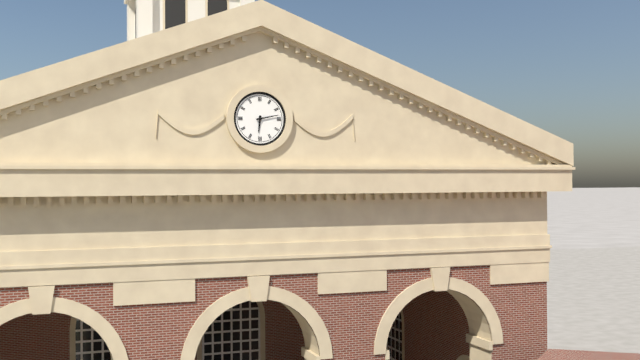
6,13
